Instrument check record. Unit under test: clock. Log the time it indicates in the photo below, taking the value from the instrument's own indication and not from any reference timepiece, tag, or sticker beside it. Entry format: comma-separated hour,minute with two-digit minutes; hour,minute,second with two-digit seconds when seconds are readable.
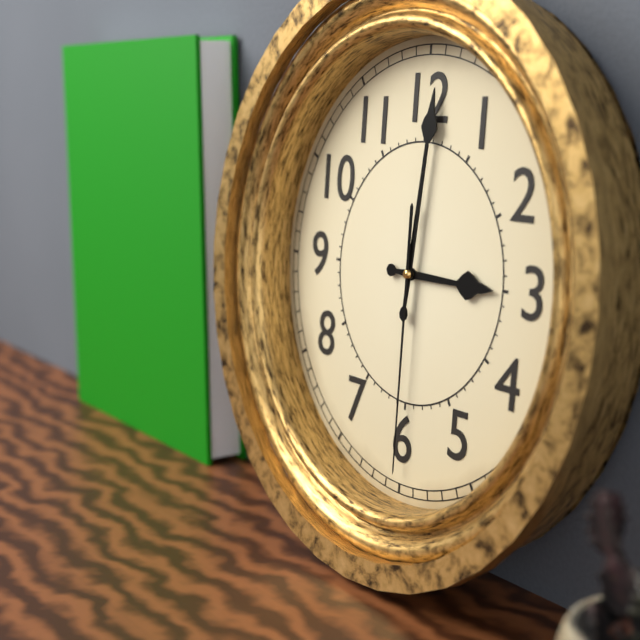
3,01,30
